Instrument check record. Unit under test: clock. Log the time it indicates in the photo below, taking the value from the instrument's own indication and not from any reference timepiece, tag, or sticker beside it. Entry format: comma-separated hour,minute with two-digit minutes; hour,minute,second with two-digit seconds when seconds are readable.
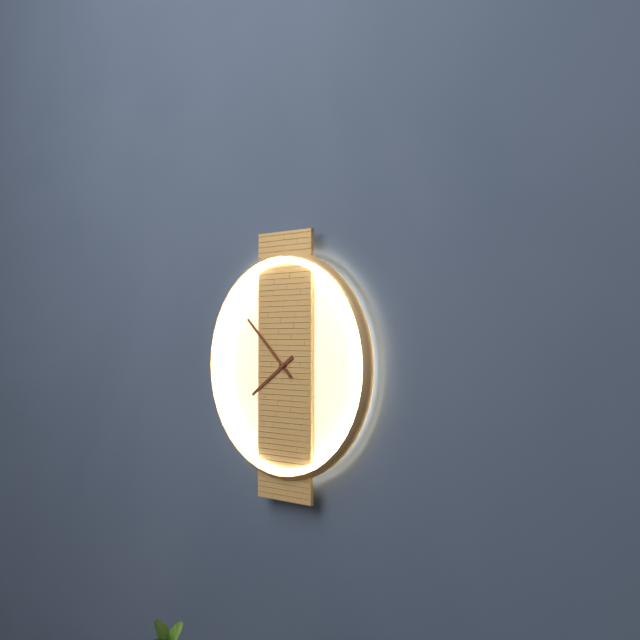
7,52
